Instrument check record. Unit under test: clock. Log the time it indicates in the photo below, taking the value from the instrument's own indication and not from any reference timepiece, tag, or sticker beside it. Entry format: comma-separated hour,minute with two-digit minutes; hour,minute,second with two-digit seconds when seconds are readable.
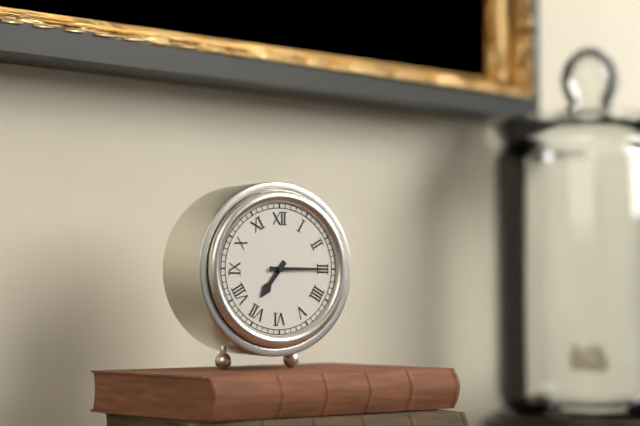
7,15
